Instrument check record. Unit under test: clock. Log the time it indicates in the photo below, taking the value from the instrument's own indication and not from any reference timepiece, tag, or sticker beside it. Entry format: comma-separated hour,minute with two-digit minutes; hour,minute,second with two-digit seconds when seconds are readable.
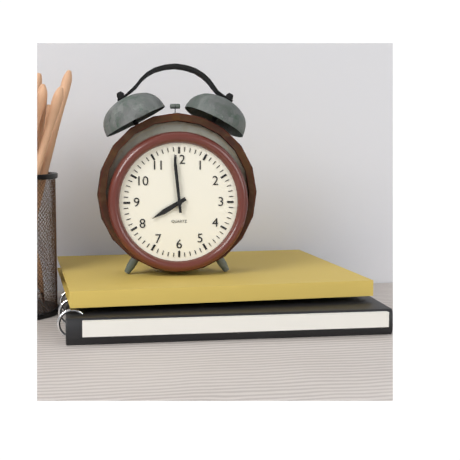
7,59
